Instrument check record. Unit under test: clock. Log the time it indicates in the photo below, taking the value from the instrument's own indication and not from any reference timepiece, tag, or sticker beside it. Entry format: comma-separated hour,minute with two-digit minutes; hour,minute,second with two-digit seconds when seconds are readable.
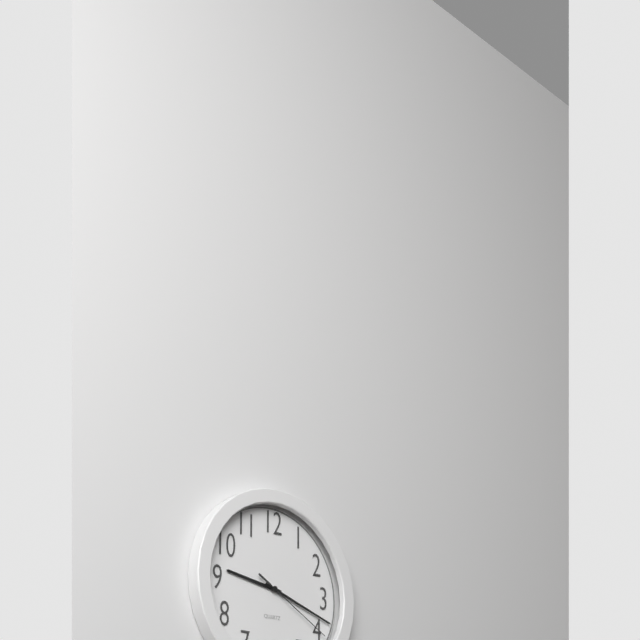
9,18,20
